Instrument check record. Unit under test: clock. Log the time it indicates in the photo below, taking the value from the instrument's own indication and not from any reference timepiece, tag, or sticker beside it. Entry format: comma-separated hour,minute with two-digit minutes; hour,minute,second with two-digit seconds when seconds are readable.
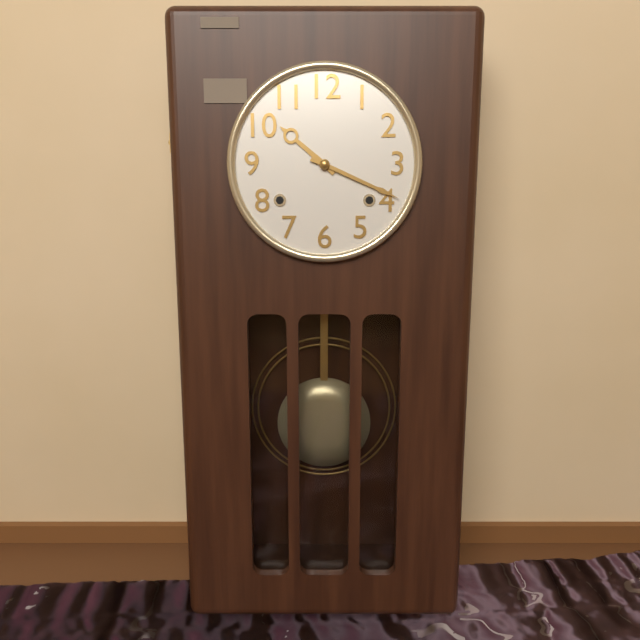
10,19
